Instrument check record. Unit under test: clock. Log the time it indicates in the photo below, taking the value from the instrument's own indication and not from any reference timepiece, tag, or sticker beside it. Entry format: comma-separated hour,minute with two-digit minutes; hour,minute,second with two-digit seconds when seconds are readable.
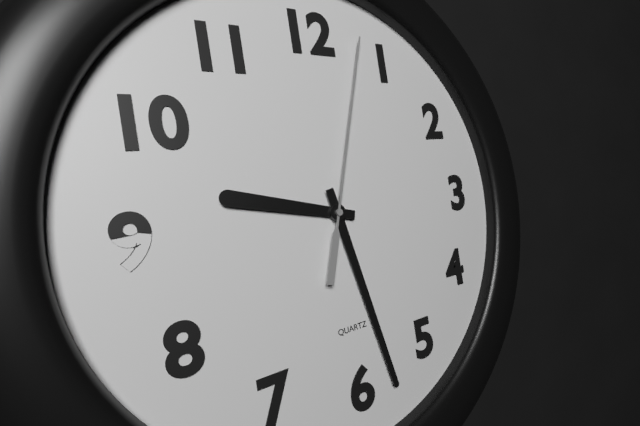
9,28,03
